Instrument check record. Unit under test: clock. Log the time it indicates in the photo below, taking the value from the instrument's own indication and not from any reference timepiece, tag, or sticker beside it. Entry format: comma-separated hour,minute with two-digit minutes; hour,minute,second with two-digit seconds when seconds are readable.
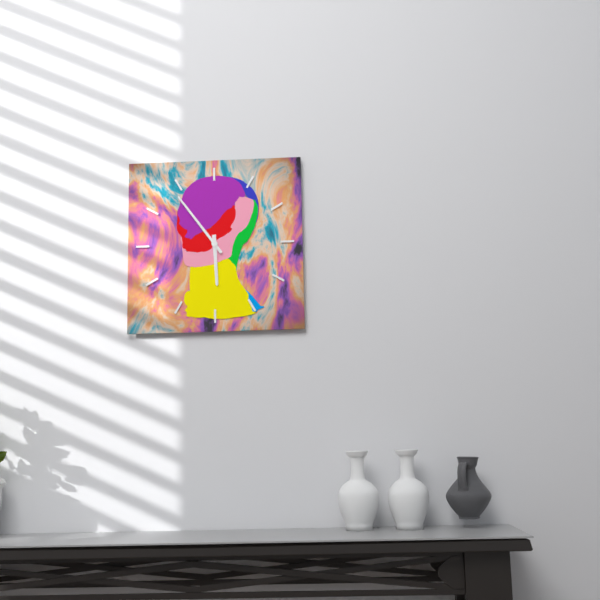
5,54
